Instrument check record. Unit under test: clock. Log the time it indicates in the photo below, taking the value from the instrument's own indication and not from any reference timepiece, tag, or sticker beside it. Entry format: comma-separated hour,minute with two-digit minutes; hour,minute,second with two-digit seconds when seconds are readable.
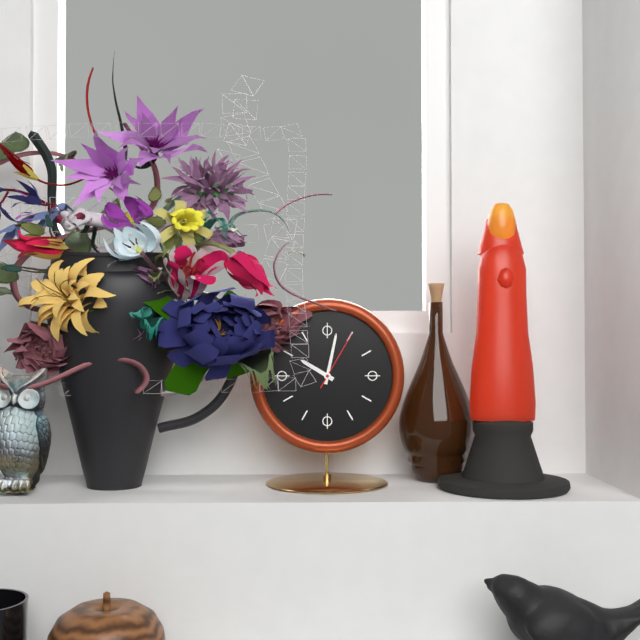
10,02,05
